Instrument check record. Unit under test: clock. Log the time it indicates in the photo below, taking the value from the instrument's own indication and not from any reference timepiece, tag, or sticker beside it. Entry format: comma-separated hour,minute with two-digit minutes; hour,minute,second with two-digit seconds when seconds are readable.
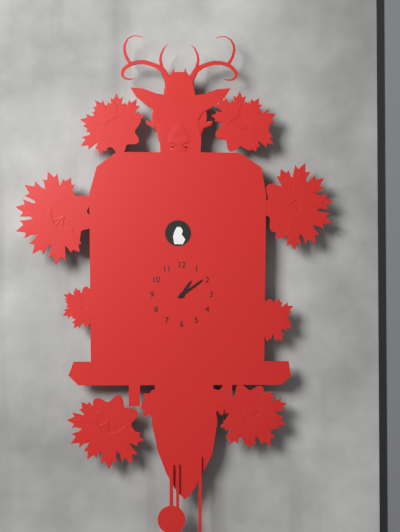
1,09
